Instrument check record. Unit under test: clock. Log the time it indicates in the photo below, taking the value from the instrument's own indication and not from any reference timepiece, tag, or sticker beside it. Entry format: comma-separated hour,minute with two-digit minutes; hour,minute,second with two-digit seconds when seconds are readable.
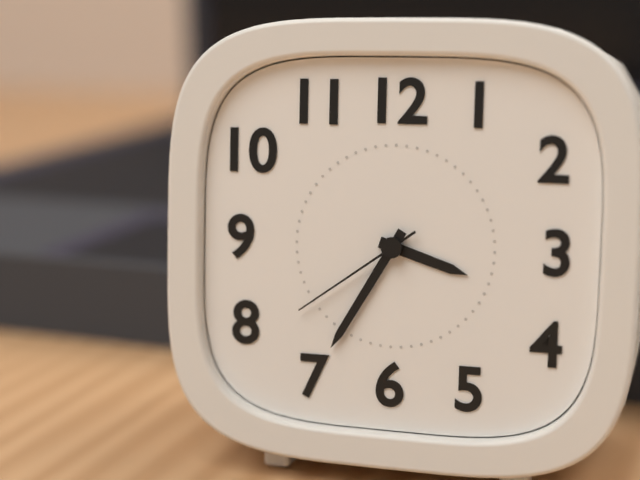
3,35,39
